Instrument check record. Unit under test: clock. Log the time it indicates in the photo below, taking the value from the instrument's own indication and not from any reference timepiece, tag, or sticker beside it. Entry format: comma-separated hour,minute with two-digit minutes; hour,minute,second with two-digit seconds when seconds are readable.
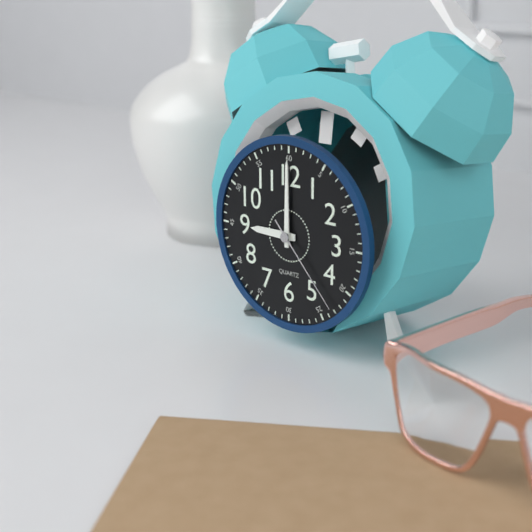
9,00,23
